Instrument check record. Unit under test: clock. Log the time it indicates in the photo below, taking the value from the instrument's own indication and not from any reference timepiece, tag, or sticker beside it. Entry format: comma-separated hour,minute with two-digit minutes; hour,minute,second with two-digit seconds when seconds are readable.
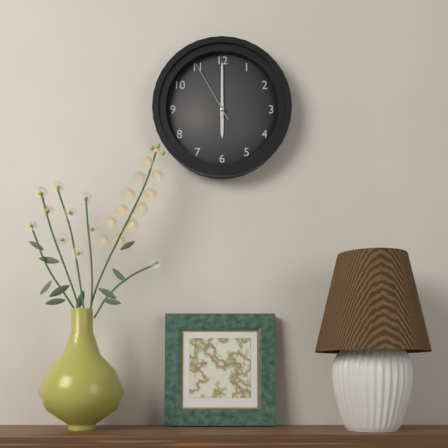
6,00,55
